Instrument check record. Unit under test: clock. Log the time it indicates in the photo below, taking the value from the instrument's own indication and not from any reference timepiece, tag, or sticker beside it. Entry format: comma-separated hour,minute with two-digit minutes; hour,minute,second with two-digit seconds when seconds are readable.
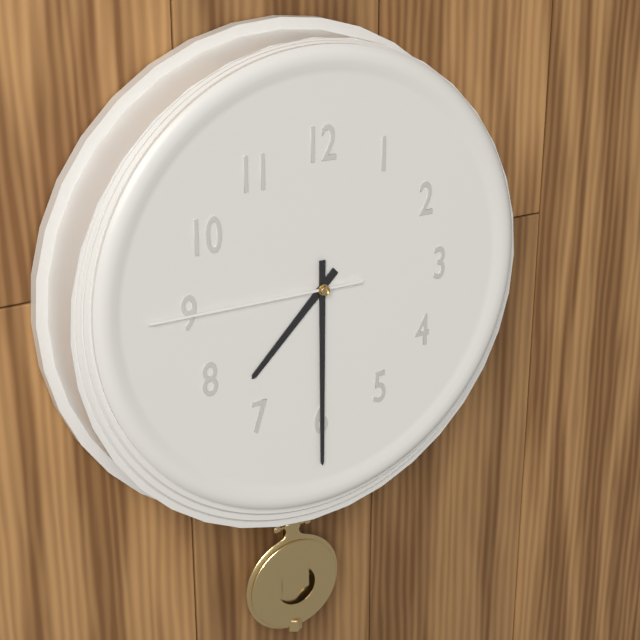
7,30,45
